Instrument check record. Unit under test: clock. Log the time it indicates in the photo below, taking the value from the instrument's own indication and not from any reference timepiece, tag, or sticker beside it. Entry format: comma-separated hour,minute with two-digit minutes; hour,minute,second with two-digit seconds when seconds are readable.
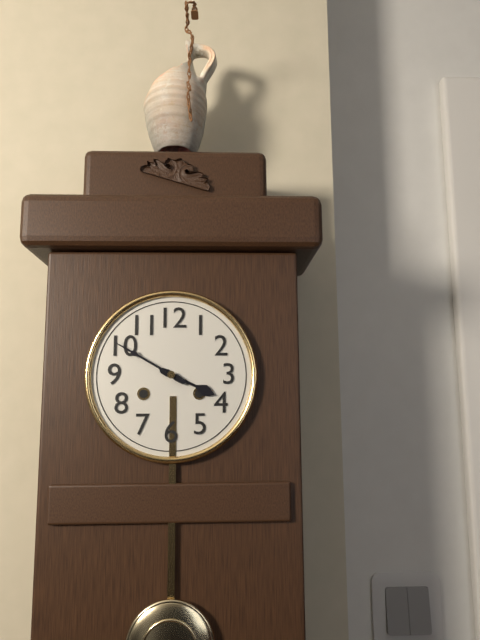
3,50
